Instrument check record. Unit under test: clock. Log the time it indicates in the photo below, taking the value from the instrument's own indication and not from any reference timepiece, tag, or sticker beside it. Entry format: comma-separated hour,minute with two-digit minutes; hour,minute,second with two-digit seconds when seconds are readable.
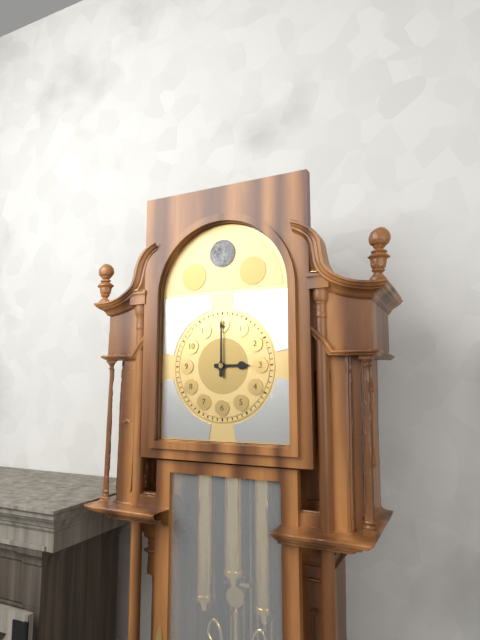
3,00
